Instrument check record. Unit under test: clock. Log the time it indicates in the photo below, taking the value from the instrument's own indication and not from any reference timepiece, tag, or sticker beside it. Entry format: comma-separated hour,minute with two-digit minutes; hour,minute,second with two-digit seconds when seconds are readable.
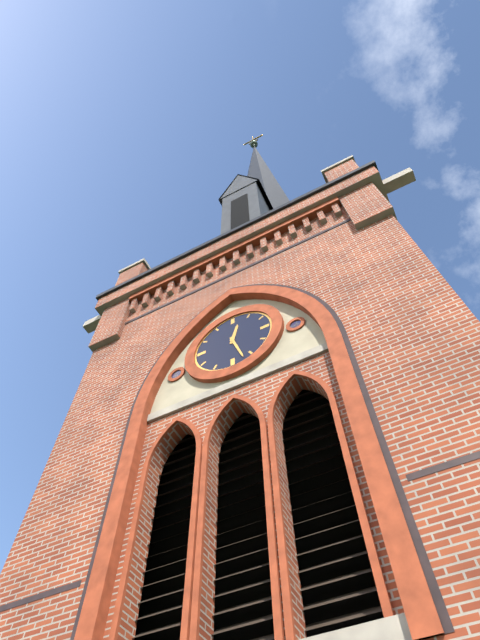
12,27
